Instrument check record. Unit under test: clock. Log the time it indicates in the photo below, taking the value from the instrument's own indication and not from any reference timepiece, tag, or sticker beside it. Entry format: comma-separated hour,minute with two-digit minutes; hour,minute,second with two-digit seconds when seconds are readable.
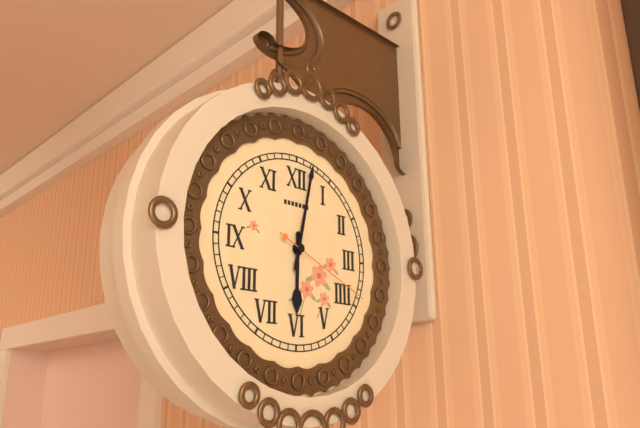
6,02,19
